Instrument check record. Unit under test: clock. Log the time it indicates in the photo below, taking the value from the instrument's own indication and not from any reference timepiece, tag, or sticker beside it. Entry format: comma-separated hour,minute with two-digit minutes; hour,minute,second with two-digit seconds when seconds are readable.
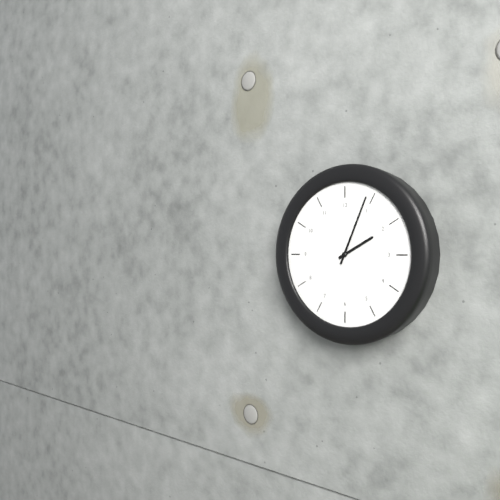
2,04
